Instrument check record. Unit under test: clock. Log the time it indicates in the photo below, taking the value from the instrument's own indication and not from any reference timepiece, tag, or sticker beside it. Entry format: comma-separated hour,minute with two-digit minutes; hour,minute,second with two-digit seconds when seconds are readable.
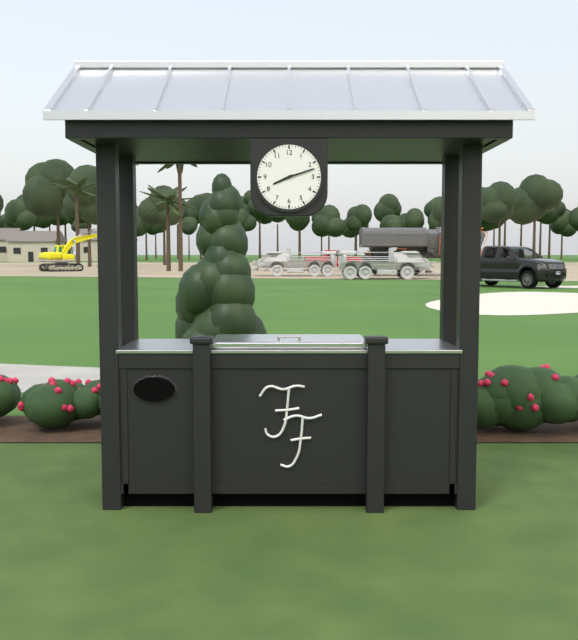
8,12
